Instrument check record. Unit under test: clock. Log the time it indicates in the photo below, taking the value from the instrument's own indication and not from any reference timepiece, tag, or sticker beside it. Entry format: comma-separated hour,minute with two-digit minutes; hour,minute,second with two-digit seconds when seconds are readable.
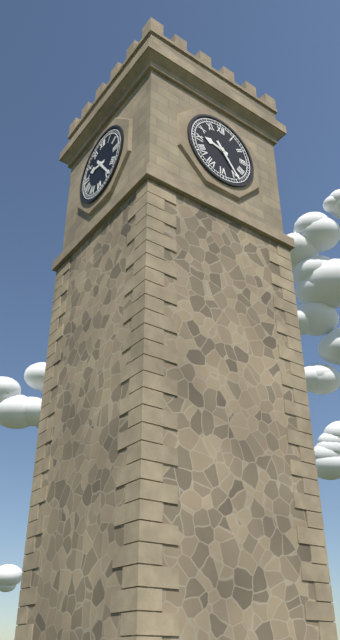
9,24
